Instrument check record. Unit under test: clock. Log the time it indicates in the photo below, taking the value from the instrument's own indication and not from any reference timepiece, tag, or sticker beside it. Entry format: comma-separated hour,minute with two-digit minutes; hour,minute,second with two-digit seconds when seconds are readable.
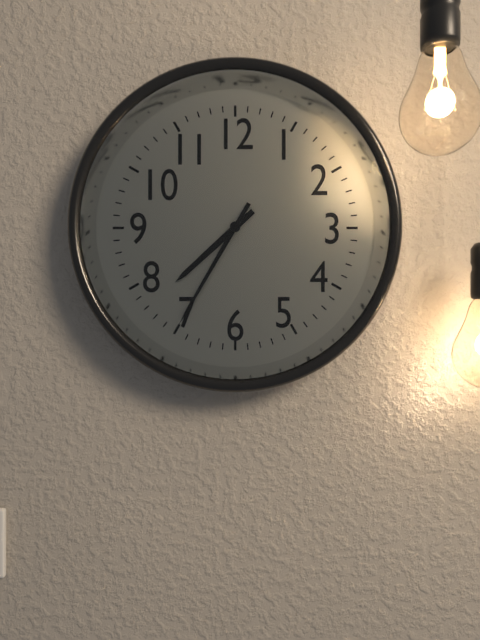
7,35
